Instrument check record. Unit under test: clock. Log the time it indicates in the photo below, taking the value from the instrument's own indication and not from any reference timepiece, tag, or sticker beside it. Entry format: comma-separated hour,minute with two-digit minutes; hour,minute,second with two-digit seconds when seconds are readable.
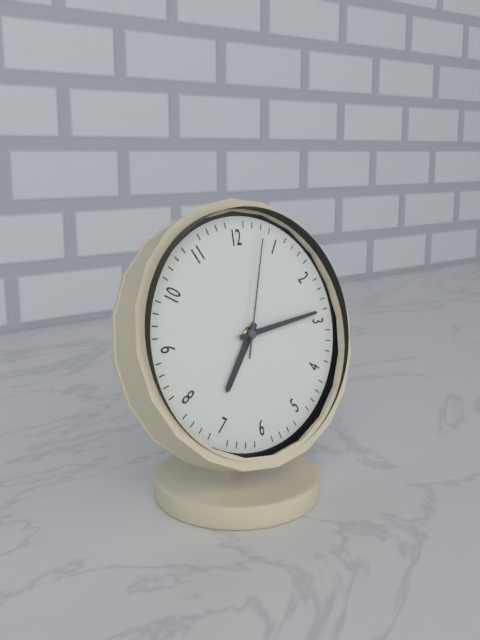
7,14,03
